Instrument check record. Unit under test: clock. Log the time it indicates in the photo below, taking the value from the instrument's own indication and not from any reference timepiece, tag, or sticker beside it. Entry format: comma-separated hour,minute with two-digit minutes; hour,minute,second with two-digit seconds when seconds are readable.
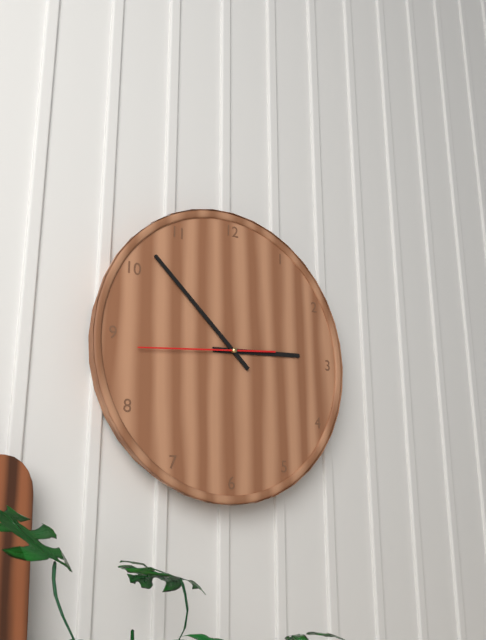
2,52,44
